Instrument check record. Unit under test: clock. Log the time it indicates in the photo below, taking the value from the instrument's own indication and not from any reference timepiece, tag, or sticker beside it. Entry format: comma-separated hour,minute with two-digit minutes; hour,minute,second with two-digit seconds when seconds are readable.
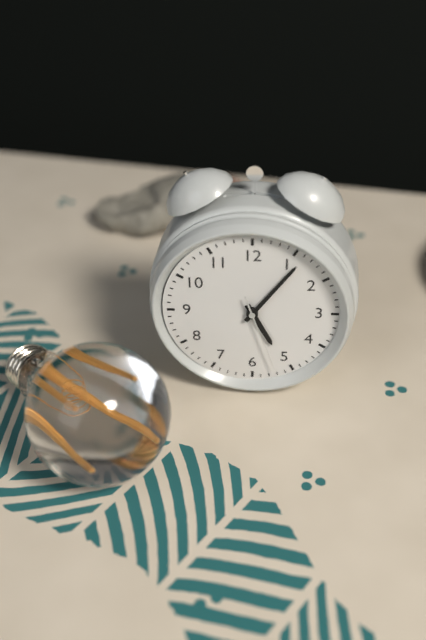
5,06,27
